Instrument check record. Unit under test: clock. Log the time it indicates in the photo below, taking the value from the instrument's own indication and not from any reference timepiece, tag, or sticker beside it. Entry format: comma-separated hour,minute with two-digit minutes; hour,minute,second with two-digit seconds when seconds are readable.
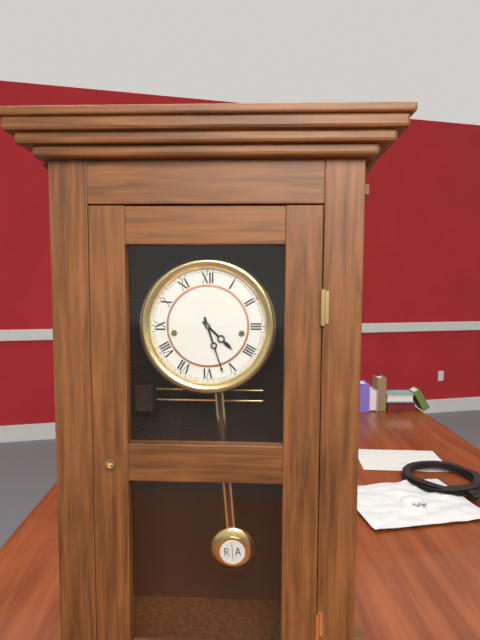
4,27
